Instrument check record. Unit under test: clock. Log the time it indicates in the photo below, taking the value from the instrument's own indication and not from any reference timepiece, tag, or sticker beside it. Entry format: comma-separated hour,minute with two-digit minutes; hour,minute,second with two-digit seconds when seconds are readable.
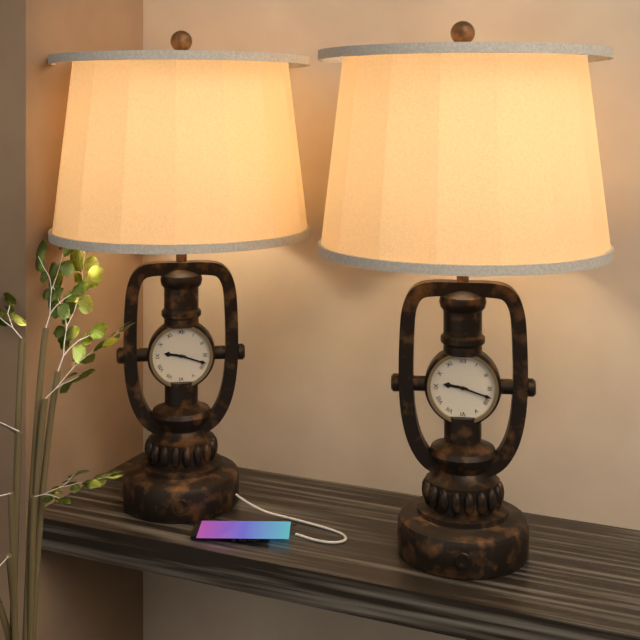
9,18
